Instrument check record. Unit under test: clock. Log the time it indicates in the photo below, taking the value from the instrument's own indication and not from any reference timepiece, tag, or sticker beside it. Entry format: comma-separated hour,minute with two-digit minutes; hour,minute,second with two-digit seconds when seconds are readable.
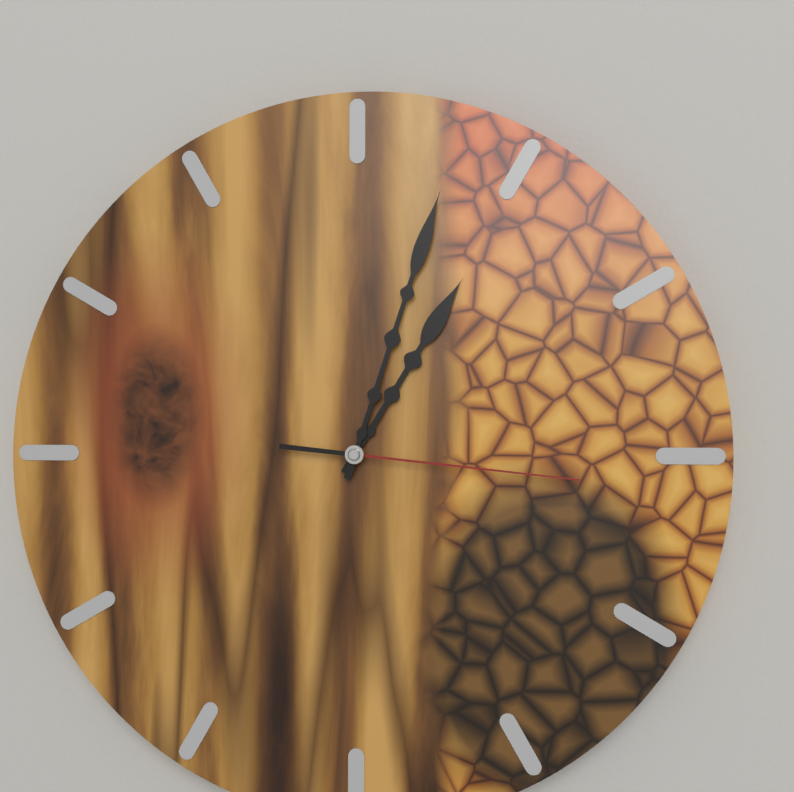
1,03,16
